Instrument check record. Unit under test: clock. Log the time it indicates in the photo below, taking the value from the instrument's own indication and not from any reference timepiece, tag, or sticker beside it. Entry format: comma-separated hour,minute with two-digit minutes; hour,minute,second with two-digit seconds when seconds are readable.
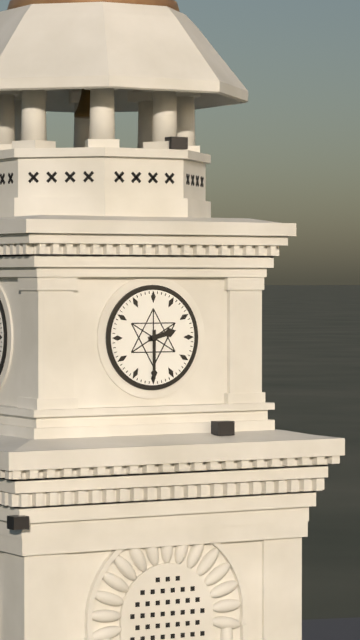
2,30
